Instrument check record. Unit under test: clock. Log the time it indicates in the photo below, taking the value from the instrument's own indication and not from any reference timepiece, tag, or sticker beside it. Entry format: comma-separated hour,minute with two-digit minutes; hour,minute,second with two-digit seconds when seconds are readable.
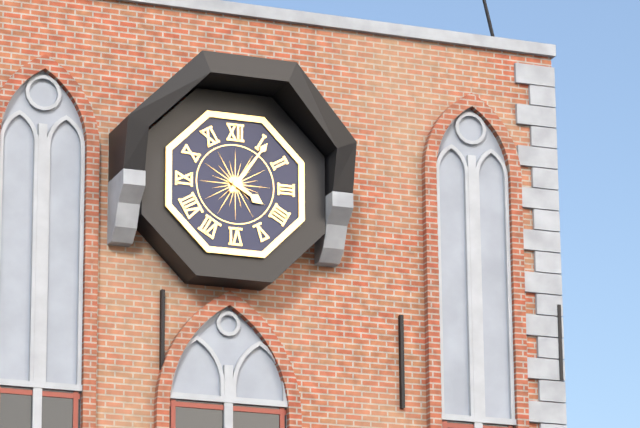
4,06
